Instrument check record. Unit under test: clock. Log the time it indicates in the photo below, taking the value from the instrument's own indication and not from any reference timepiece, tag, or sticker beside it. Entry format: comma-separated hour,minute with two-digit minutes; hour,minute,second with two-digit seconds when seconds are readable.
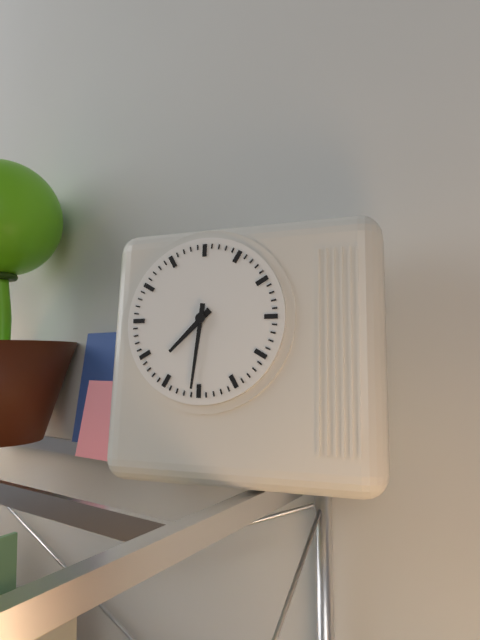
7,31
